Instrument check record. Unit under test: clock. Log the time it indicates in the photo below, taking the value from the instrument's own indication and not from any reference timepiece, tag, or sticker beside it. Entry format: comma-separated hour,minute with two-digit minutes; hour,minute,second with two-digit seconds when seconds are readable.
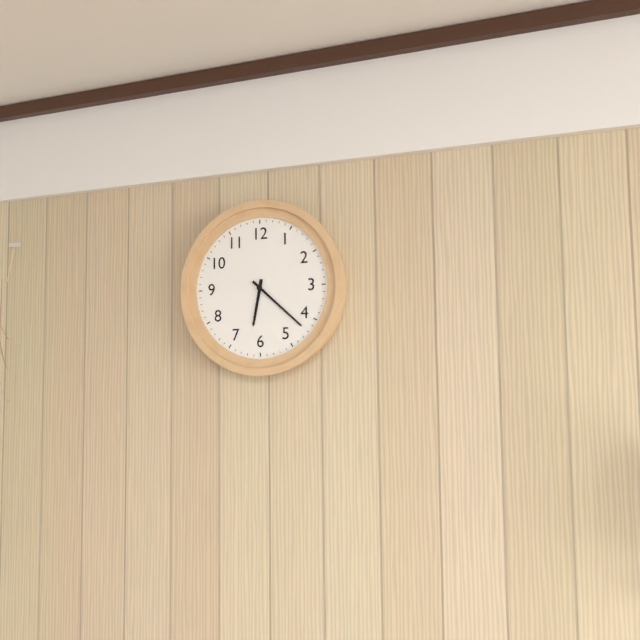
6,22
